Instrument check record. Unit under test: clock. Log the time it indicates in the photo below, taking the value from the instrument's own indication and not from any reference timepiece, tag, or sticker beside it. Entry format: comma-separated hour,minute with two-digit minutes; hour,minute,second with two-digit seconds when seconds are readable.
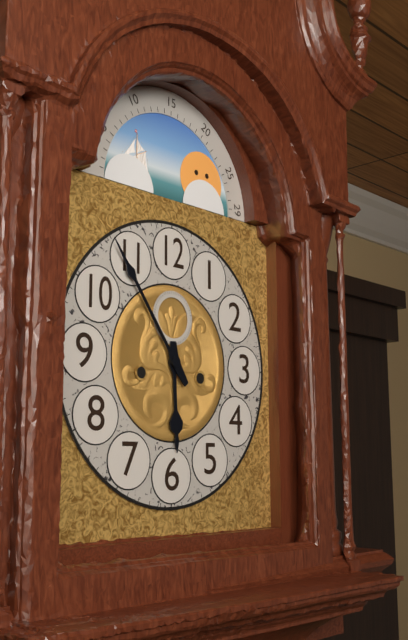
5,54
